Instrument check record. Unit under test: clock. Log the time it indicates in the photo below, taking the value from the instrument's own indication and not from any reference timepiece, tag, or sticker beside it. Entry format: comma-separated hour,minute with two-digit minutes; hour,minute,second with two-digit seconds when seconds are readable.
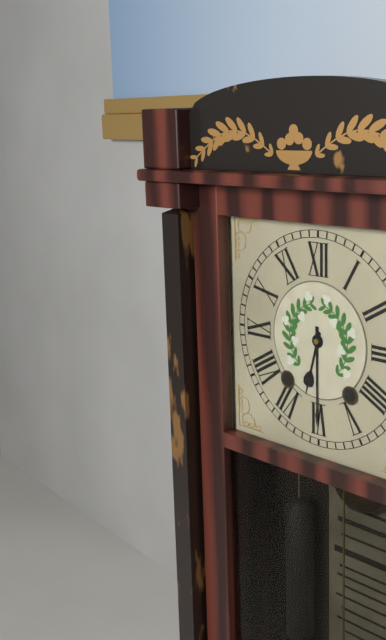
6,30
